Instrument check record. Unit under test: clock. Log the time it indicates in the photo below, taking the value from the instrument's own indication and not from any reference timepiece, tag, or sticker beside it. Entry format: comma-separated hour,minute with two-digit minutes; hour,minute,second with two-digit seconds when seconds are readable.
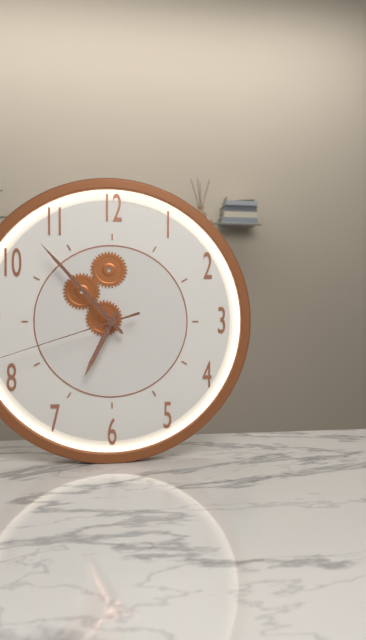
6,53
